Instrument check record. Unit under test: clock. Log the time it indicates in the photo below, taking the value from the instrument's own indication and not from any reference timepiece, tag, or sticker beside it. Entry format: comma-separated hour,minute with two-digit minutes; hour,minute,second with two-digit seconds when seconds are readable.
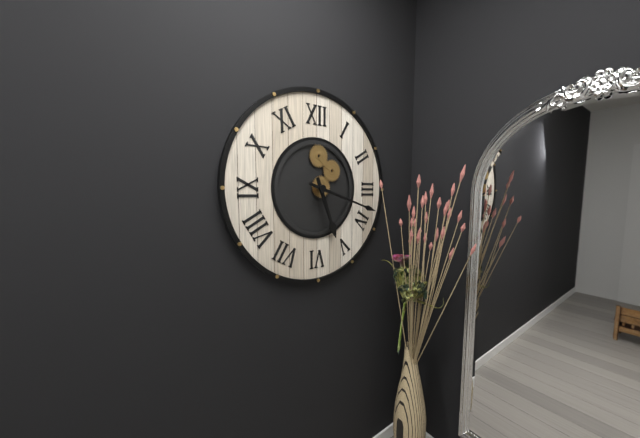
5,18
